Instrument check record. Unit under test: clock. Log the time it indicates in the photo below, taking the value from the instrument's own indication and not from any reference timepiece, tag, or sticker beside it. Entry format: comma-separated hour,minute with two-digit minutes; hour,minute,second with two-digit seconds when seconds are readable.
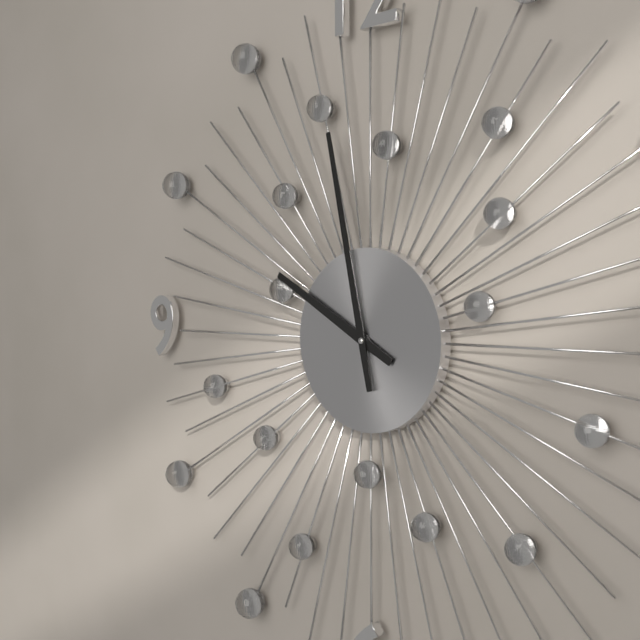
9,58
